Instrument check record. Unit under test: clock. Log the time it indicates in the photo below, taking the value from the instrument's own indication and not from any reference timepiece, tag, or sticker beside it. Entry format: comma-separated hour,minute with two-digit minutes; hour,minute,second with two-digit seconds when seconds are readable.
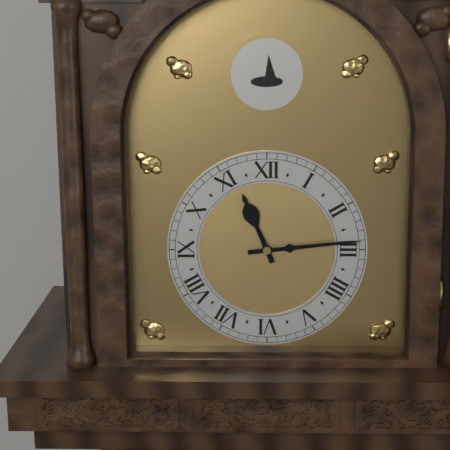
11,14
